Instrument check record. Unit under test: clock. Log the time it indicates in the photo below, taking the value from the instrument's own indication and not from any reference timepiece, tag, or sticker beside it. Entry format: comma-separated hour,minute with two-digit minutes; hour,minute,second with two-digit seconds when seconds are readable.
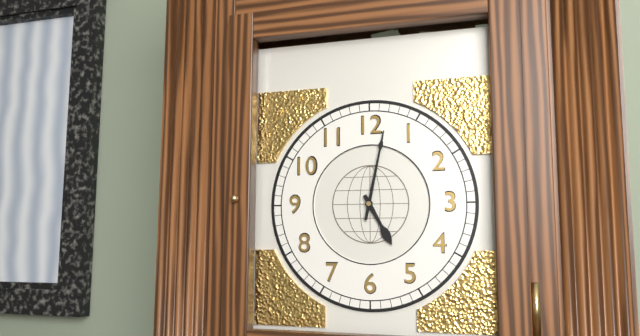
5,02
